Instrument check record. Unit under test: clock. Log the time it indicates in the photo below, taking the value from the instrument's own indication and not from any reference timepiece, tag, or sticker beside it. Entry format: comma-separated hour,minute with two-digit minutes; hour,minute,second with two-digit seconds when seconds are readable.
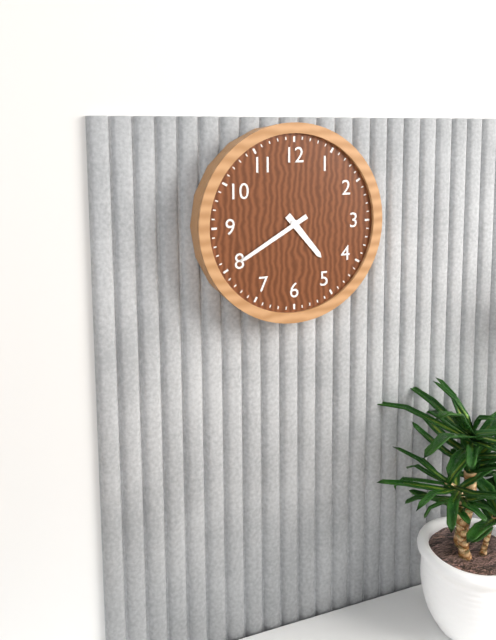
4,40
